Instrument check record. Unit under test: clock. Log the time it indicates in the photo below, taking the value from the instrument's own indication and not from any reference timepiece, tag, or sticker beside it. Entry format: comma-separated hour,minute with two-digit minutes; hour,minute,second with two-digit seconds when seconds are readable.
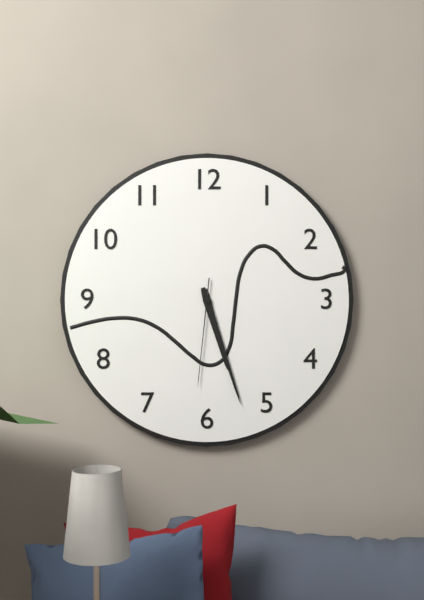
5,27,31
